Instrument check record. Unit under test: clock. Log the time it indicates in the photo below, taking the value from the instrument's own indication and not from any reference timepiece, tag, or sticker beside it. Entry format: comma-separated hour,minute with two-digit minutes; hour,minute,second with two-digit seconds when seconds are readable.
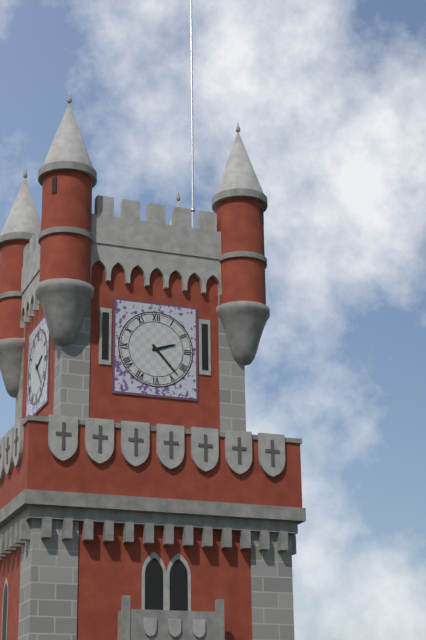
2,23
